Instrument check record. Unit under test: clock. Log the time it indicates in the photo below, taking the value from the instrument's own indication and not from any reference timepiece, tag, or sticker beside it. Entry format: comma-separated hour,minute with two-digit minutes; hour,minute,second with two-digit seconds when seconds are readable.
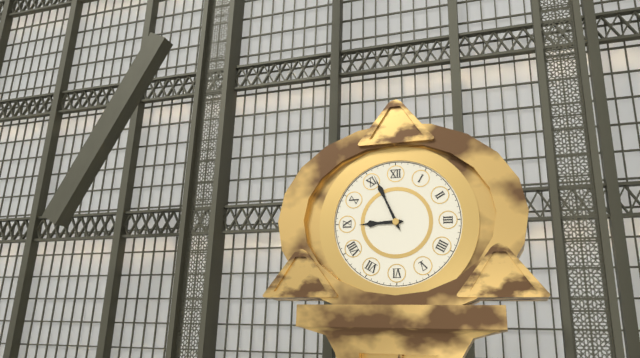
8,56
